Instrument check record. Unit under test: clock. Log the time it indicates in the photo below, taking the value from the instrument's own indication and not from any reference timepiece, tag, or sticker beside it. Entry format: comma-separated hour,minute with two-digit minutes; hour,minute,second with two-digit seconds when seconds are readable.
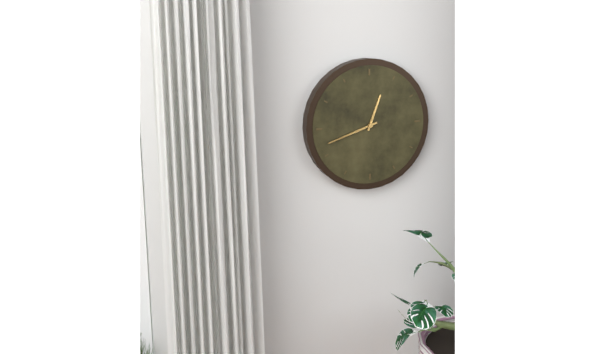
12,42
